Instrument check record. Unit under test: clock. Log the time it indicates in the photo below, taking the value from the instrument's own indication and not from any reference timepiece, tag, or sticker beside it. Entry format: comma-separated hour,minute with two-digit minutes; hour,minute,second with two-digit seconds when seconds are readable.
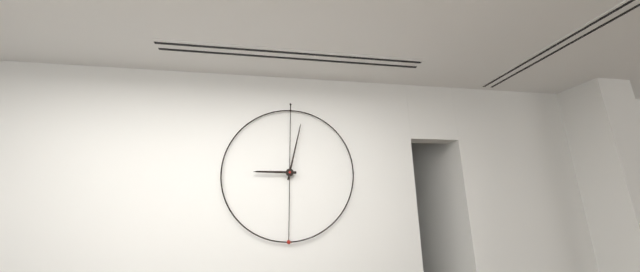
9,02
